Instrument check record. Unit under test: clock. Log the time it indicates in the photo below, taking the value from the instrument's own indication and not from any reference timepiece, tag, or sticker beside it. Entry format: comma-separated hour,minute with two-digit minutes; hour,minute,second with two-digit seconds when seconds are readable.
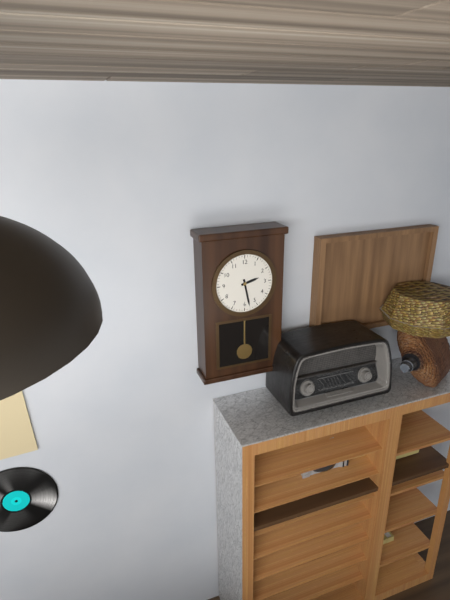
2,28
